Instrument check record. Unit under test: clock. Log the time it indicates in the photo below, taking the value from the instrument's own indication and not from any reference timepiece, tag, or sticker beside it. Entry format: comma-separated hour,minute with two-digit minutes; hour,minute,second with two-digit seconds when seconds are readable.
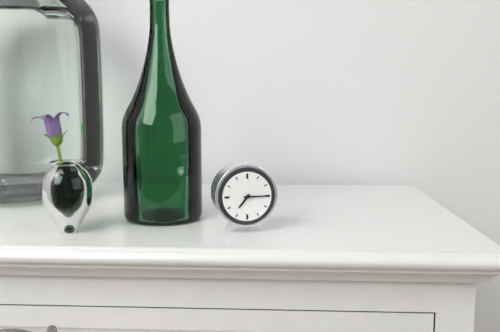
7,15
